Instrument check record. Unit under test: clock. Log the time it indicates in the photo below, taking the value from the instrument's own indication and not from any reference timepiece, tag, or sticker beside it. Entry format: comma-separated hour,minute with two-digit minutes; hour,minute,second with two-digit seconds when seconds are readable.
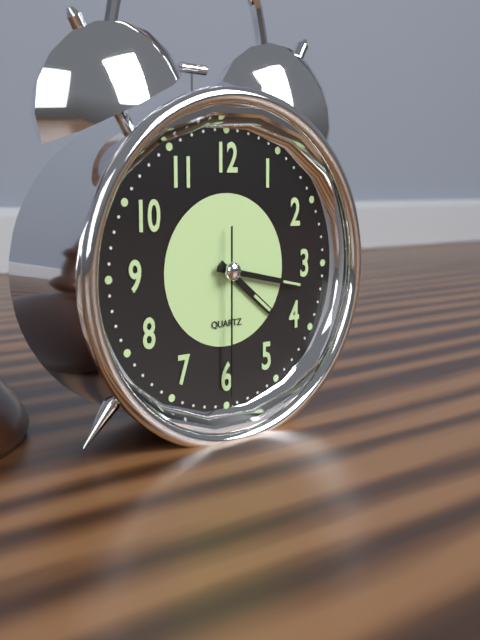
4,17,30
